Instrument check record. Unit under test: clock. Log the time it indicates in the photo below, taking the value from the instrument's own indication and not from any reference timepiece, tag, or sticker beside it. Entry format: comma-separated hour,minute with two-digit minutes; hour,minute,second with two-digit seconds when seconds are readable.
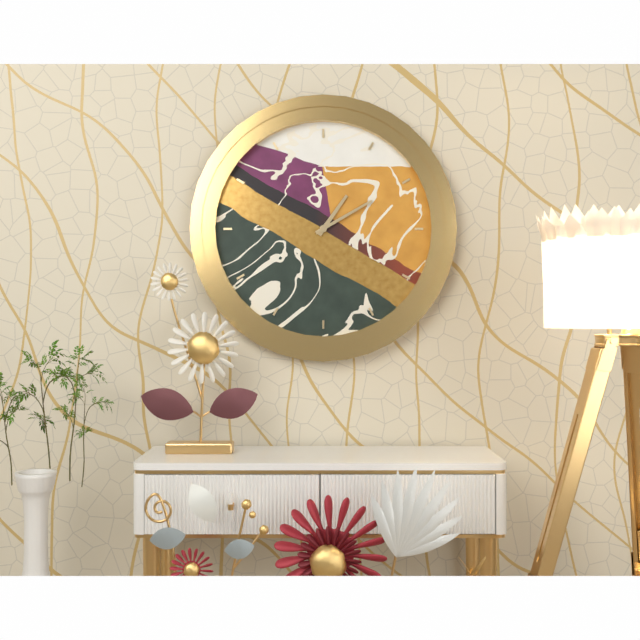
1,10
